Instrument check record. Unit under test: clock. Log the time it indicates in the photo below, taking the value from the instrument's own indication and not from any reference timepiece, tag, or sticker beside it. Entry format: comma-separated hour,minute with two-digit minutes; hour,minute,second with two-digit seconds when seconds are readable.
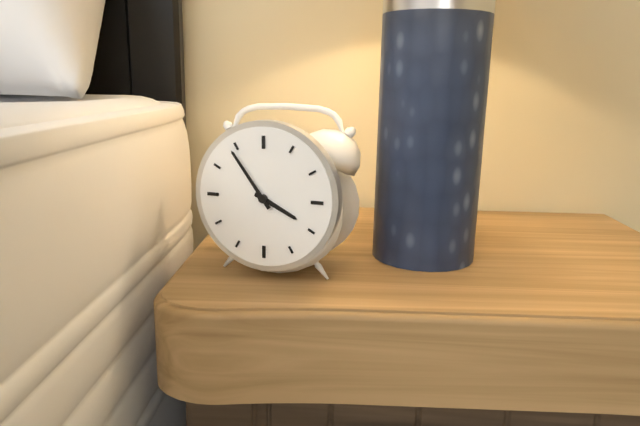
3,54
